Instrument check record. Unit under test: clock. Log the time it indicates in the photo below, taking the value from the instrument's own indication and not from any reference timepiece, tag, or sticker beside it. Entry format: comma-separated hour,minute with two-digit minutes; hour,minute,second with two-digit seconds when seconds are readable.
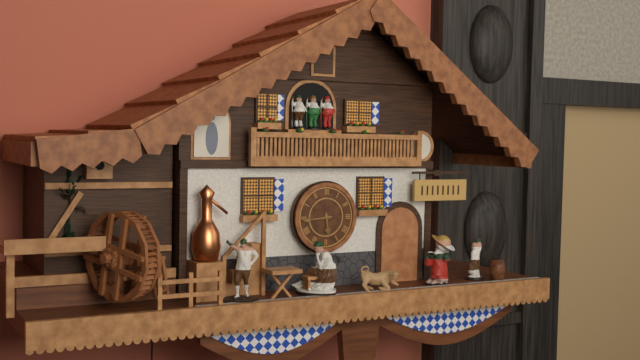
5,44
